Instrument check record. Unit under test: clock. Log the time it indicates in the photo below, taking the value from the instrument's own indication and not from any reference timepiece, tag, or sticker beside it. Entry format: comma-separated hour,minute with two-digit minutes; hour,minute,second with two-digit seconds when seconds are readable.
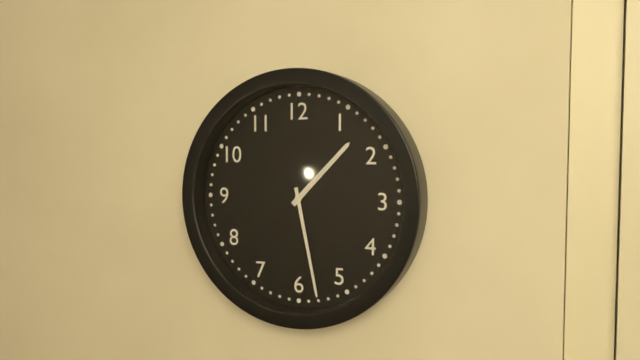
1,28
